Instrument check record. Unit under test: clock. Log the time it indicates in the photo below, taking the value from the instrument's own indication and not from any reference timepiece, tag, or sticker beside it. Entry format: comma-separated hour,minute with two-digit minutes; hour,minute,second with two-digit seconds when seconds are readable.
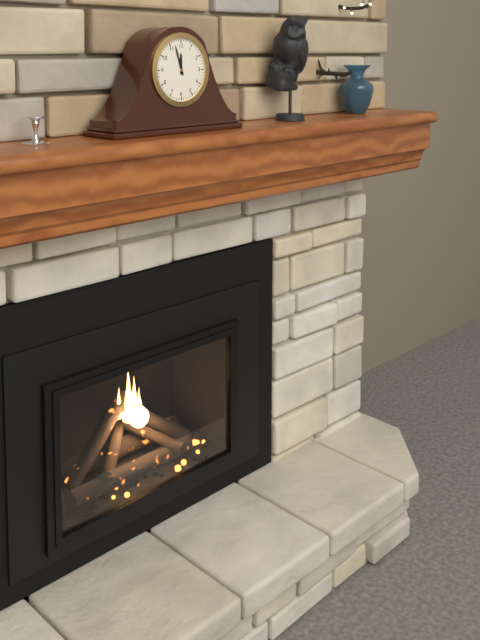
11,57
